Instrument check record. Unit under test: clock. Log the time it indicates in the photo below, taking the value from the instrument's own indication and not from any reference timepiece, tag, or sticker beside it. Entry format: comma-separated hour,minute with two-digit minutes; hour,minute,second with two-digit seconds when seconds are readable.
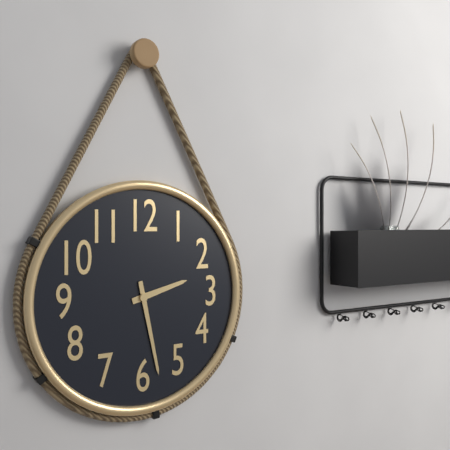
2,28
